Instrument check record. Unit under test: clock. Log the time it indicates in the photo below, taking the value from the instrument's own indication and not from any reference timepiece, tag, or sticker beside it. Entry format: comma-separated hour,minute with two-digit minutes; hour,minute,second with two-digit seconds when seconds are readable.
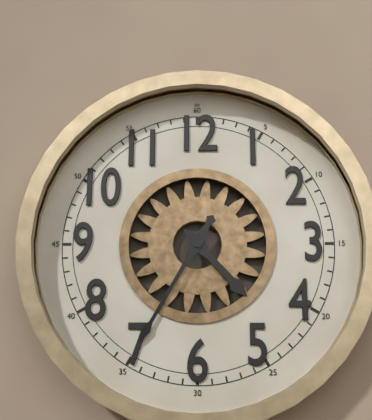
4,35
